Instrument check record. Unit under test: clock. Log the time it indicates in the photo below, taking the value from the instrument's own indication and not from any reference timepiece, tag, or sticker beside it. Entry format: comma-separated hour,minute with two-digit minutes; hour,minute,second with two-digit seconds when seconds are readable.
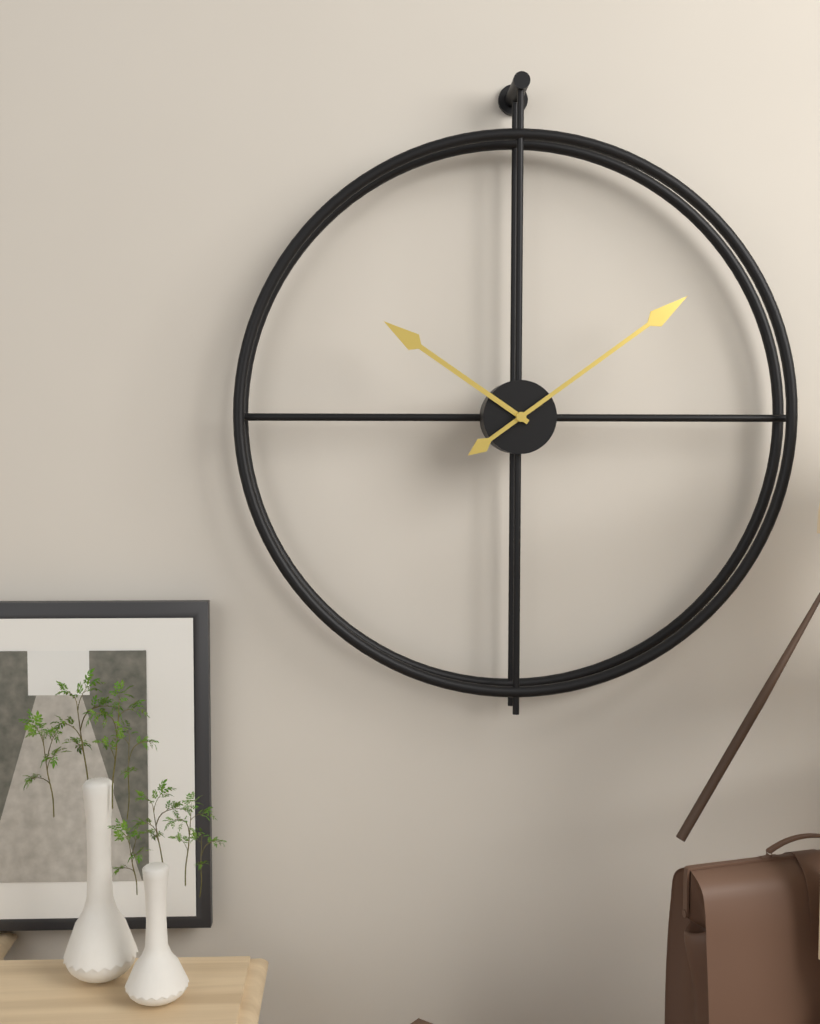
10,09
